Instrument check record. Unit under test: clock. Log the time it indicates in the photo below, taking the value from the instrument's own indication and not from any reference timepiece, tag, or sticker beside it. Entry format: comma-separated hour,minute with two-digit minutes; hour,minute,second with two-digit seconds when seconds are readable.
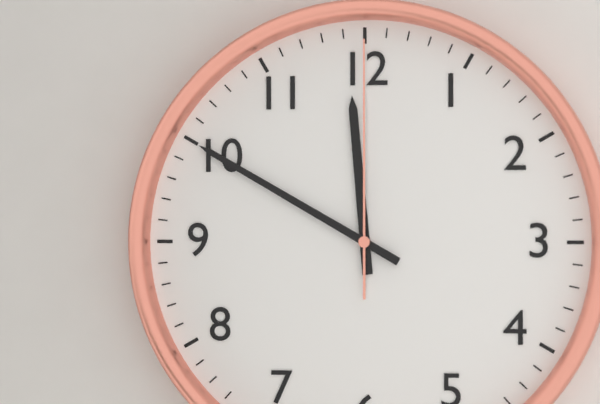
11,50,00
